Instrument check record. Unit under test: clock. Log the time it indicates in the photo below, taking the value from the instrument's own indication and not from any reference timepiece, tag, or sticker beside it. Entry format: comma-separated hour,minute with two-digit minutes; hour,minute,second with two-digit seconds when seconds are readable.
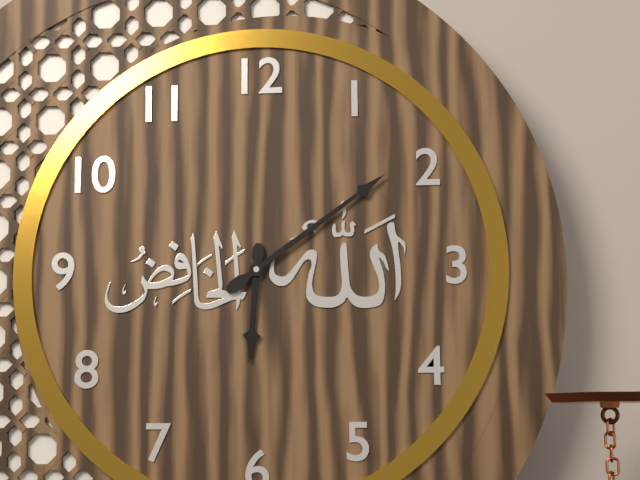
6,09
